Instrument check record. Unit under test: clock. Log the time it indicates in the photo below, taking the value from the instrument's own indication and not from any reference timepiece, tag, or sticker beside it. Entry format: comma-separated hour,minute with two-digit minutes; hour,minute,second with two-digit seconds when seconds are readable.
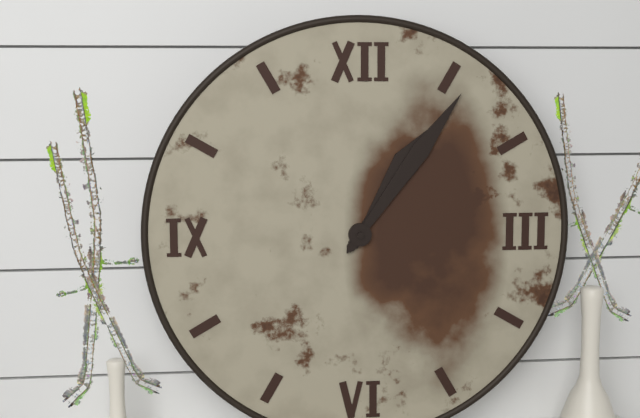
1,06
